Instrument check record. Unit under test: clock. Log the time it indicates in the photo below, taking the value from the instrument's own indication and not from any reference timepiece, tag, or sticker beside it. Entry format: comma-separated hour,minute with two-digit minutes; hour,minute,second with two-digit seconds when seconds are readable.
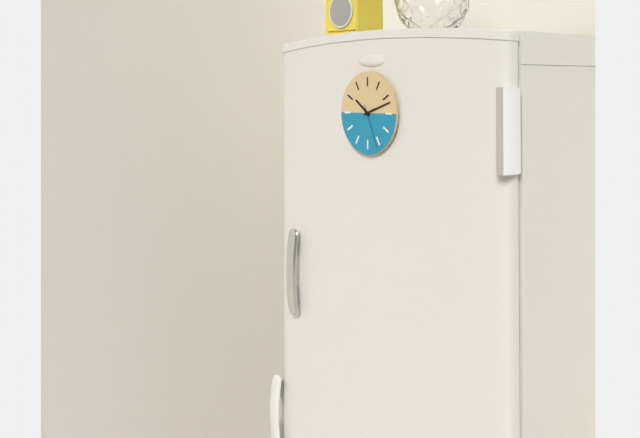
10,12
